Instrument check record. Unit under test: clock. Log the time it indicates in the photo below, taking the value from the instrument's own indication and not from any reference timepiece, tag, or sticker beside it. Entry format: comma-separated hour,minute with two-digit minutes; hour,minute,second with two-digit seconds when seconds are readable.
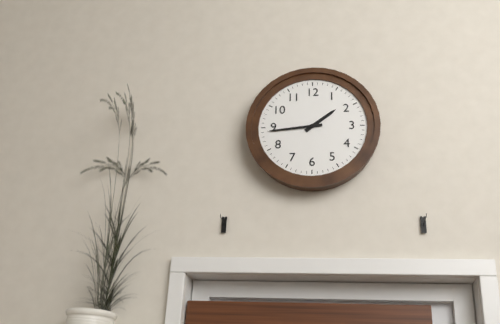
1,44
